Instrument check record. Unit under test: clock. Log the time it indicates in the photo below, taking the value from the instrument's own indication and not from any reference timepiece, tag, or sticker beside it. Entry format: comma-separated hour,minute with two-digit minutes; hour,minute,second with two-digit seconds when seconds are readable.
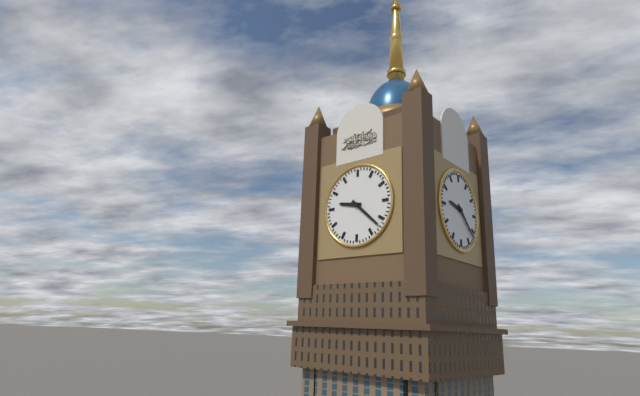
9,22
